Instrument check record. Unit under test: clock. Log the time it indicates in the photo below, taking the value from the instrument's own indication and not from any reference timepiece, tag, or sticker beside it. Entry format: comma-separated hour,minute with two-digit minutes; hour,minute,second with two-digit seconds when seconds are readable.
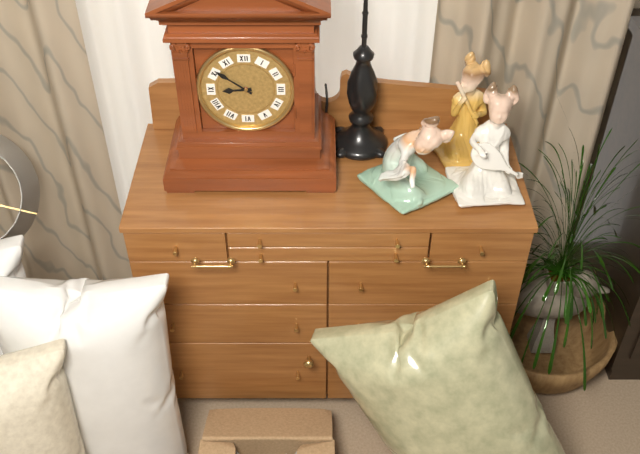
8,51
